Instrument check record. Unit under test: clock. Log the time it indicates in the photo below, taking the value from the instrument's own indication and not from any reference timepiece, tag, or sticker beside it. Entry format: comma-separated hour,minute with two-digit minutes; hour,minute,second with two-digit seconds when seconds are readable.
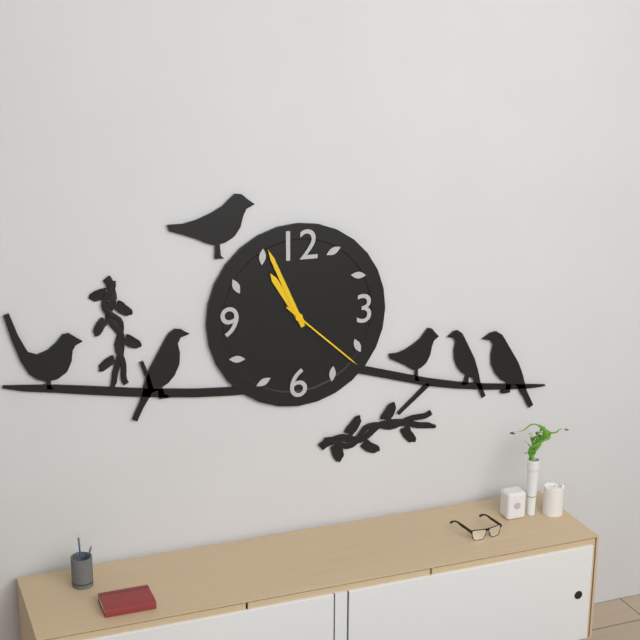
10,56,22
